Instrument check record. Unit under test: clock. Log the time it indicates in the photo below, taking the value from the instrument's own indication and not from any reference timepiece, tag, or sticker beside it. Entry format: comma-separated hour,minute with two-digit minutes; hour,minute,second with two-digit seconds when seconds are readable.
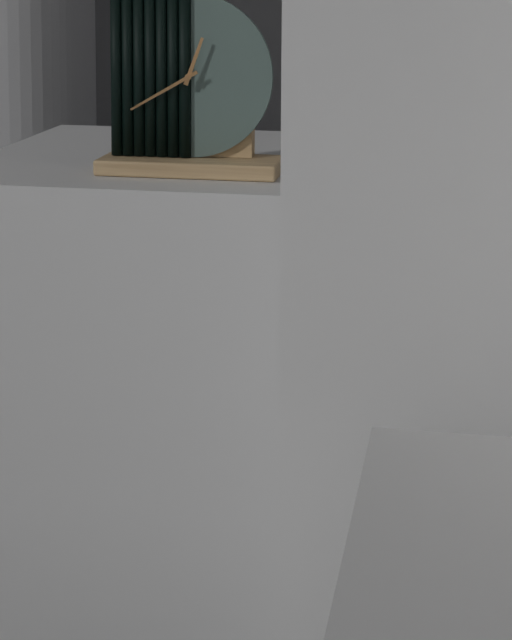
12,40
